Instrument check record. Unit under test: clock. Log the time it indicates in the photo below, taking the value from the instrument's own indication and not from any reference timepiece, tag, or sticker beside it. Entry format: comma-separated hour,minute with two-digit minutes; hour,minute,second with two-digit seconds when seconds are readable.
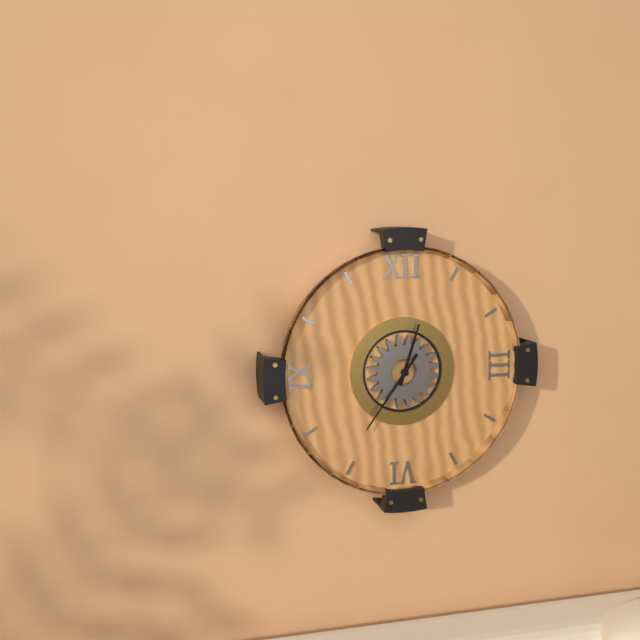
12,36
